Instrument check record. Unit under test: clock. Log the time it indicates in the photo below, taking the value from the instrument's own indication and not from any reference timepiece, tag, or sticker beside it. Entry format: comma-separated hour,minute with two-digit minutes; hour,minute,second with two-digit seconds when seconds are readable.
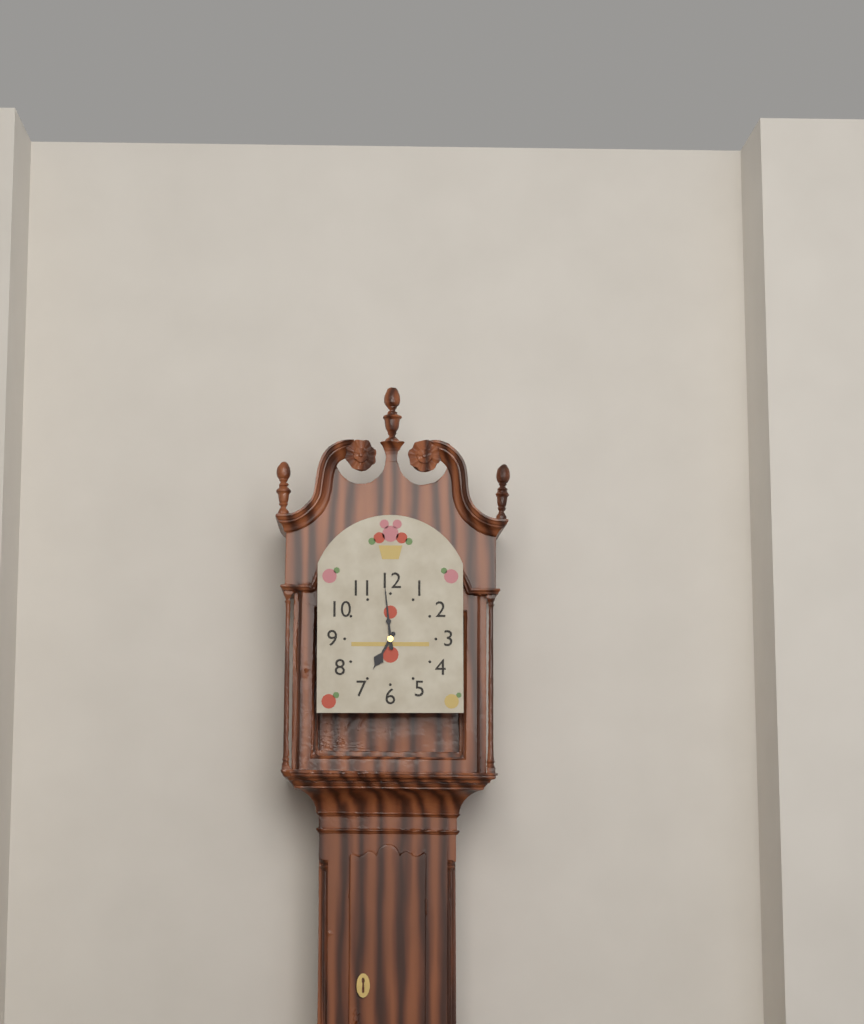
6,59
